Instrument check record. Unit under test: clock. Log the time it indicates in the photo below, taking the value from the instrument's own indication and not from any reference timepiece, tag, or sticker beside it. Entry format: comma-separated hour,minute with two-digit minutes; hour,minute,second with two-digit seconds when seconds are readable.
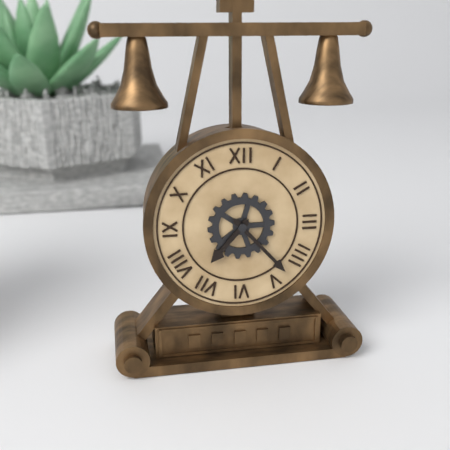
7,23
